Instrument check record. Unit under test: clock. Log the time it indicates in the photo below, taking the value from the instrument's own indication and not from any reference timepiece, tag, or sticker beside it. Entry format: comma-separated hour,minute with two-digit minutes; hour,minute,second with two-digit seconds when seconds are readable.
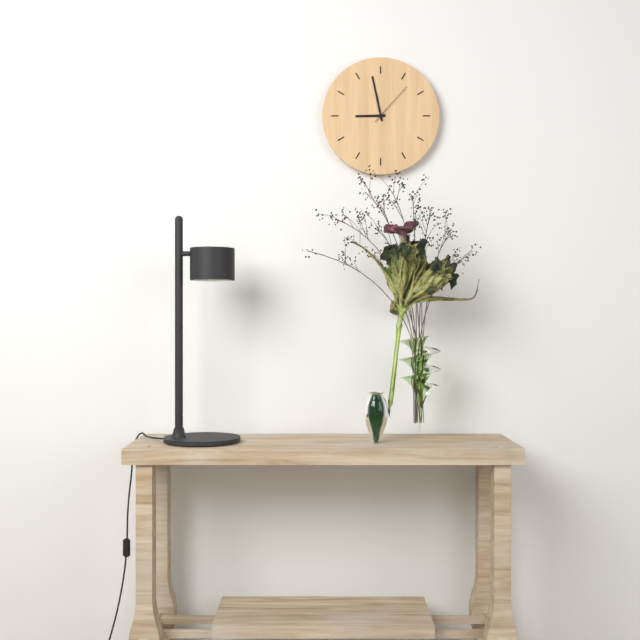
8,58
